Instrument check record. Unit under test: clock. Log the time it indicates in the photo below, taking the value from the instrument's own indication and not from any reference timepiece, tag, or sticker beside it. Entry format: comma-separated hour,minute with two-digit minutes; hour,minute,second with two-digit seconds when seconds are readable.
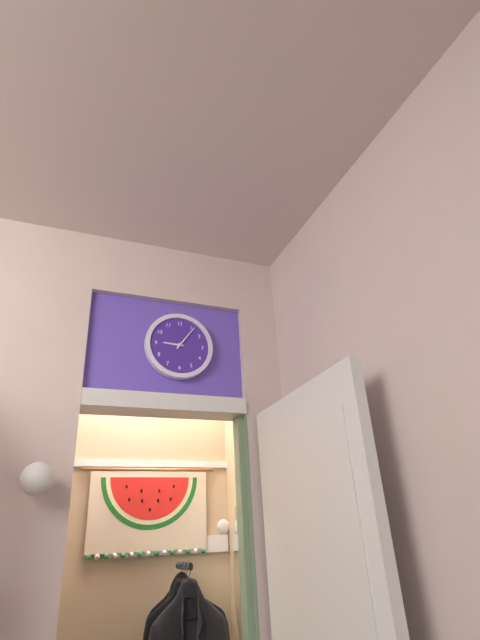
9,06
